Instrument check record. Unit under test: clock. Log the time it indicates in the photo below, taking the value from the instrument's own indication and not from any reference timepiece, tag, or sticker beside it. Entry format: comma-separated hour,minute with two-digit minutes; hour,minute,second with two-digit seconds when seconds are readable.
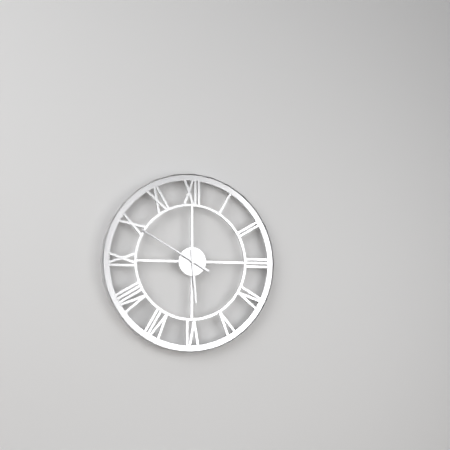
5,50
